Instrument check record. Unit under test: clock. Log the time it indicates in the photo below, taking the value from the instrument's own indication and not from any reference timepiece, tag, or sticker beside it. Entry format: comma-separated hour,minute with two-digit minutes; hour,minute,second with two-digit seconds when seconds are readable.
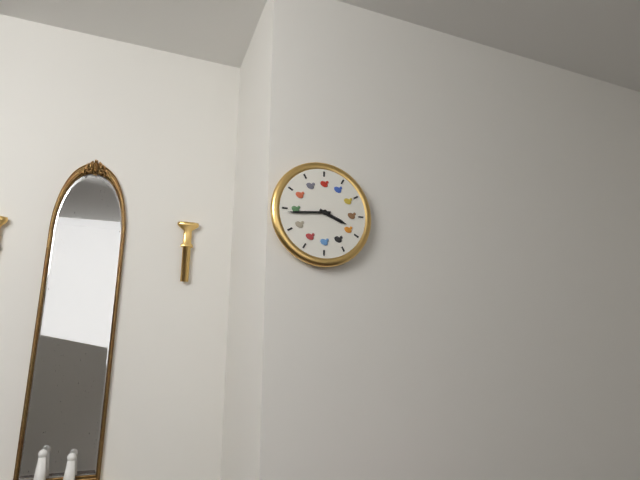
3,44
